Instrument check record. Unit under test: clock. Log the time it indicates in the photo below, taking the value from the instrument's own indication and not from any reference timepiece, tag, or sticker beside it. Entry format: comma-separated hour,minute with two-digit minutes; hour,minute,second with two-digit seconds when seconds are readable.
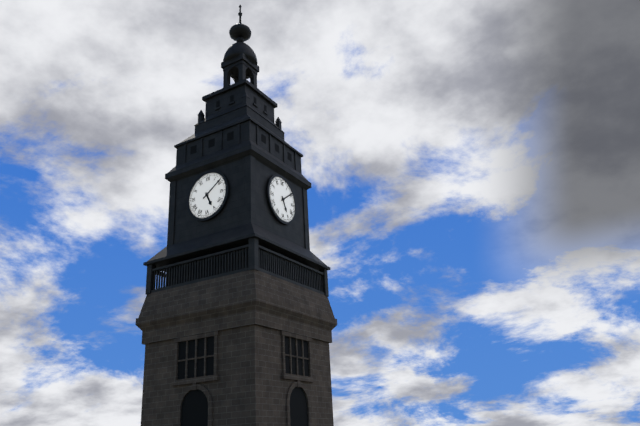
5,09
